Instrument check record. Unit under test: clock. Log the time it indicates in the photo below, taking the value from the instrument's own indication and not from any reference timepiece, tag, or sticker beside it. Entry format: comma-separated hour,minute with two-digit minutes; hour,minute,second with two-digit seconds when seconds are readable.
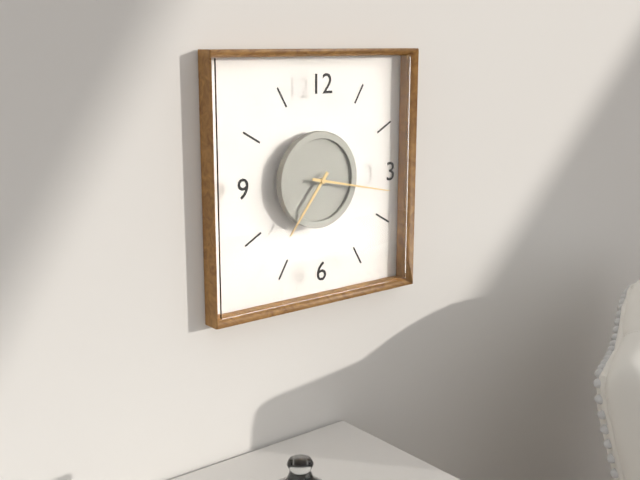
7,17
